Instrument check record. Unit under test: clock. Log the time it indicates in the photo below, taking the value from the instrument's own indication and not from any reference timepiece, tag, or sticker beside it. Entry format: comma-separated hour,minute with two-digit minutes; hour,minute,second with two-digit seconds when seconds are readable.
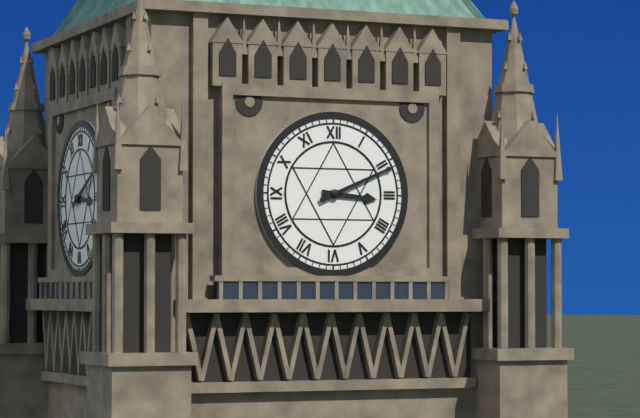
3,11
